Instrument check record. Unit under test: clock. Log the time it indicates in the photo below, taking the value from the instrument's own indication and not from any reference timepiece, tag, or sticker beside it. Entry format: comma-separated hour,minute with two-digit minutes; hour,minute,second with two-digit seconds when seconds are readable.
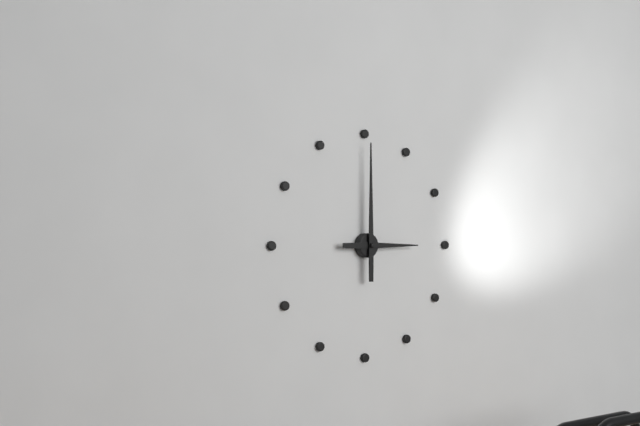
3,00
